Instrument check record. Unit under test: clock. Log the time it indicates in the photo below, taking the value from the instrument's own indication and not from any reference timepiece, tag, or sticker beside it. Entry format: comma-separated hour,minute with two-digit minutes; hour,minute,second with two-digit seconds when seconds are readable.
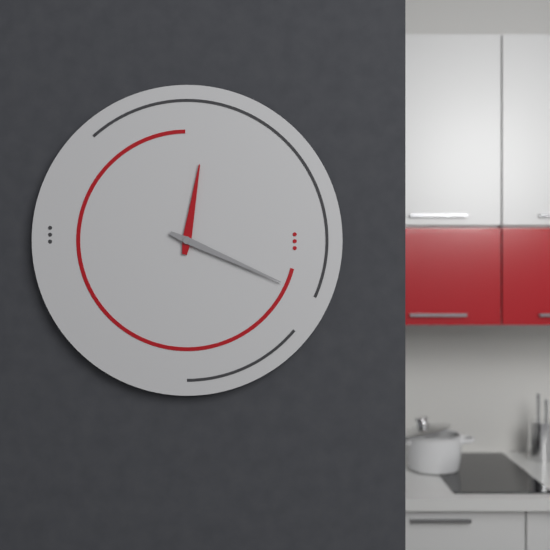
12,19
